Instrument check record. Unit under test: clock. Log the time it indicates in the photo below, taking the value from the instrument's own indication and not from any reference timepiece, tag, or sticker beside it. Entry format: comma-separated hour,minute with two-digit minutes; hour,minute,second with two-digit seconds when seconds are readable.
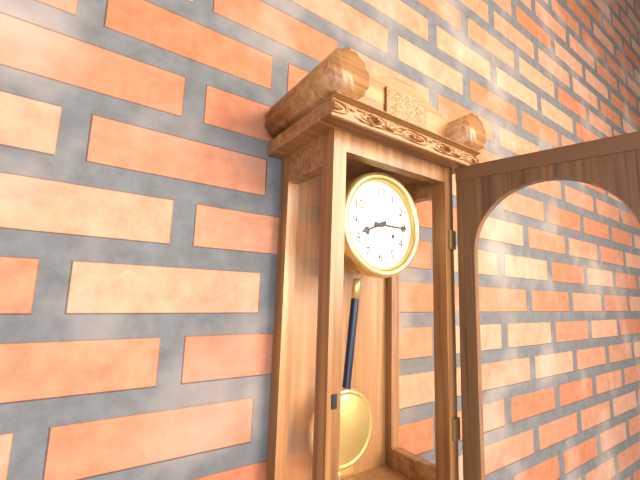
8,15
